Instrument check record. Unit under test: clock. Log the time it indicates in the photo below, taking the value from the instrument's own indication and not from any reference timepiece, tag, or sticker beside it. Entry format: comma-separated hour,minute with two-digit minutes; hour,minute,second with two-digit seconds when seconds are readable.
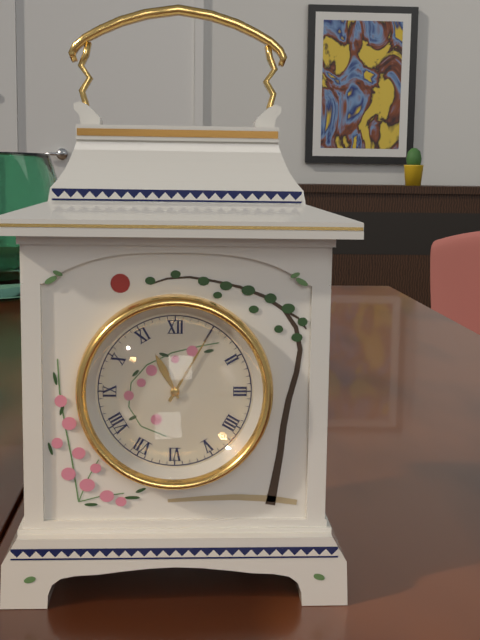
11,05
